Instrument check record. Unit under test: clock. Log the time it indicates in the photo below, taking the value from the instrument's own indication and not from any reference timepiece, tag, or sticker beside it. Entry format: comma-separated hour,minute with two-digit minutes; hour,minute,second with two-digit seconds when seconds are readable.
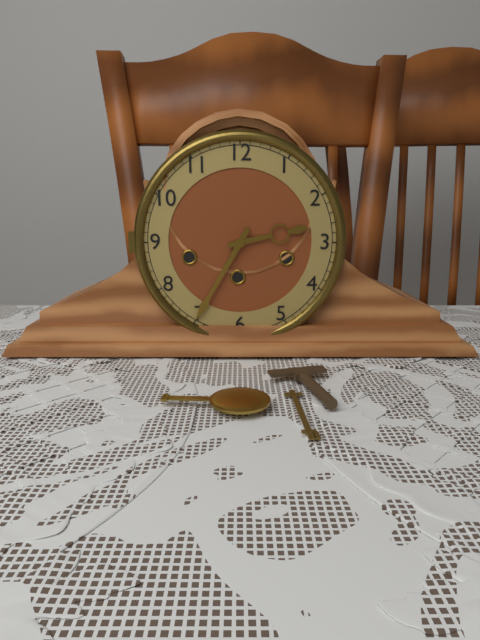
2,35
